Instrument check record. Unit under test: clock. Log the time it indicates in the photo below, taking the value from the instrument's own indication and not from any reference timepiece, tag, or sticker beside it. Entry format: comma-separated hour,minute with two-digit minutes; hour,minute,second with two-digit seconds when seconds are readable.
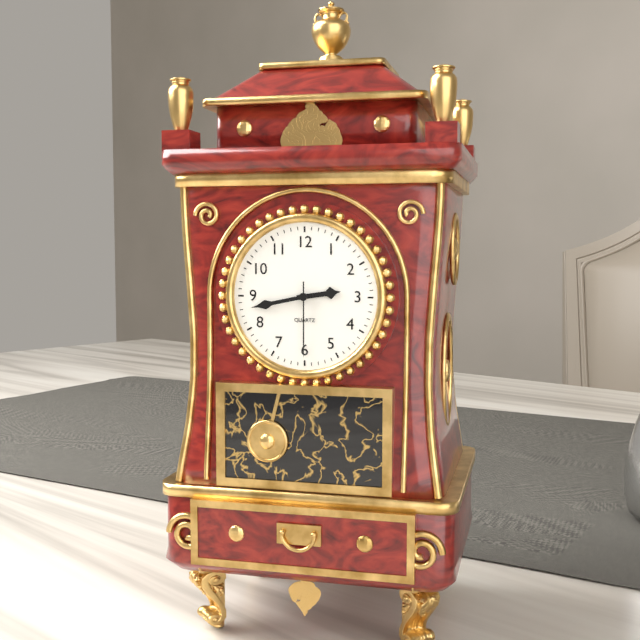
2,43,30
